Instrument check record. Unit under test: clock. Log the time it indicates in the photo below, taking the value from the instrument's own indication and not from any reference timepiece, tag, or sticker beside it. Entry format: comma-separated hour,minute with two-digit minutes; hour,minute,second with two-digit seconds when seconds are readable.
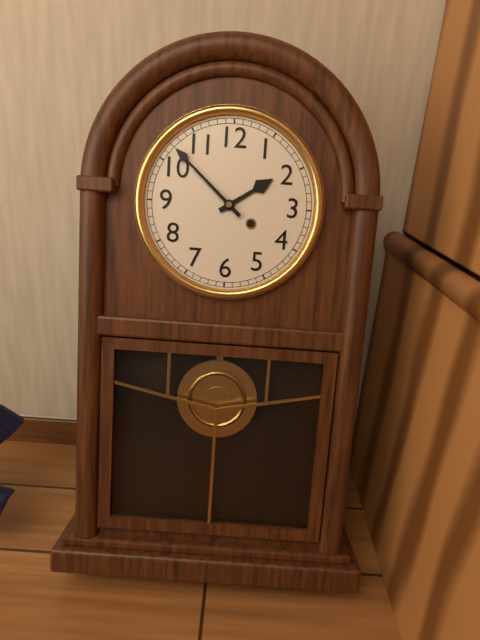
1,52
